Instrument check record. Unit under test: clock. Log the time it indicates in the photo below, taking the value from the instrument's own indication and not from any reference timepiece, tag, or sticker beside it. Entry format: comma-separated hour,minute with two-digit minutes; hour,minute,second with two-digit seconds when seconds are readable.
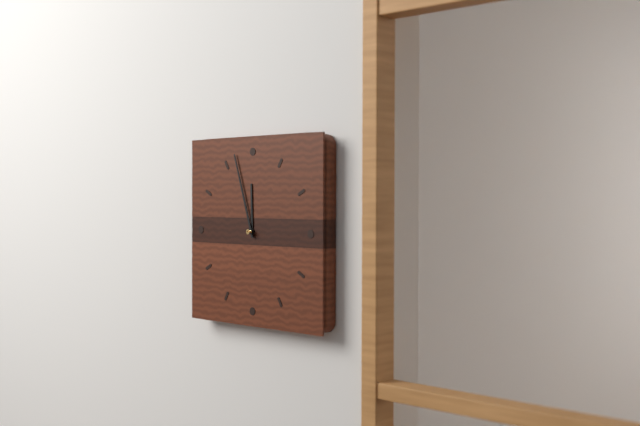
11,57
